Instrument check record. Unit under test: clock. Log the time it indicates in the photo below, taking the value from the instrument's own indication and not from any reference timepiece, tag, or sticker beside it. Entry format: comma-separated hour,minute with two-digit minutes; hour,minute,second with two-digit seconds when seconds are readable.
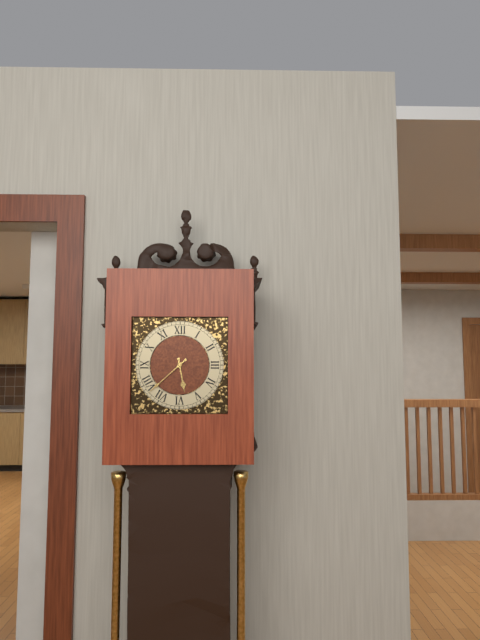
5,38
